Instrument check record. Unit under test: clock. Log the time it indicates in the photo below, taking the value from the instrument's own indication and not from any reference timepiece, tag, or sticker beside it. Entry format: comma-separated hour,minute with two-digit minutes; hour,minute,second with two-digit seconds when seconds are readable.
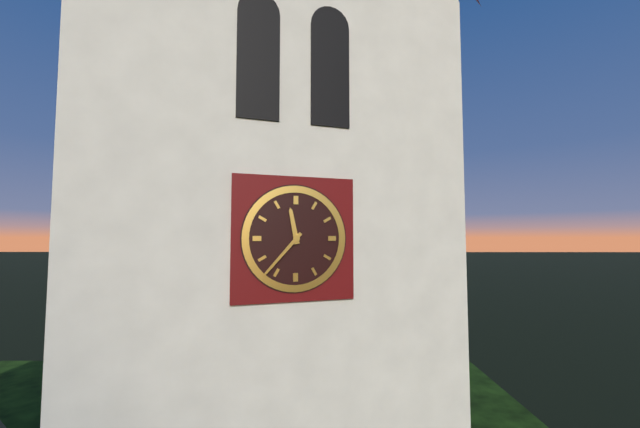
11,37
